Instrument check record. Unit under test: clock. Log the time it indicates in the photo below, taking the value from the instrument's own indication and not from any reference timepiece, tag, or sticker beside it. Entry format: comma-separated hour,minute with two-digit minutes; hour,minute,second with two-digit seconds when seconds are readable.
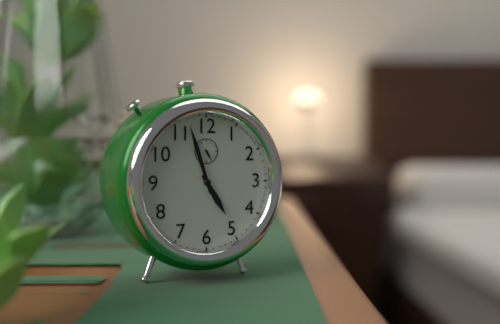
4,57
